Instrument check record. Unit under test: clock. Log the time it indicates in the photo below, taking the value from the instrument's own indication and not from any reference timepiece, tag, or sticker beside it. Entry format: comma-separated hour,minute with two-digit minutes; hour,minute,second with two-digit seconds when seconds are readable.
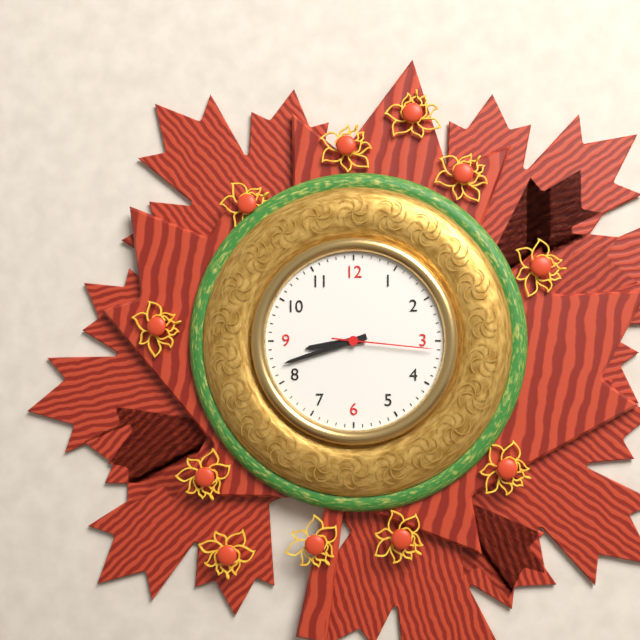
8,42,16
